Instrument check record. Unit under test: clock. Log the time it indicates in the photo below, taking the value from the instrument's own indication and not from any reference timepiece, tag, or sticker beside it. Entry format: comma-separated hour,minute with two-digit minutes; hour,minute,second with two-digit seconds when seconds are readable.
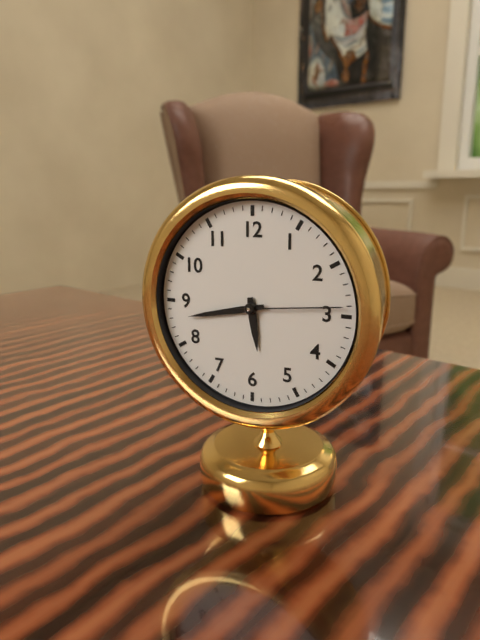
5,43,14
